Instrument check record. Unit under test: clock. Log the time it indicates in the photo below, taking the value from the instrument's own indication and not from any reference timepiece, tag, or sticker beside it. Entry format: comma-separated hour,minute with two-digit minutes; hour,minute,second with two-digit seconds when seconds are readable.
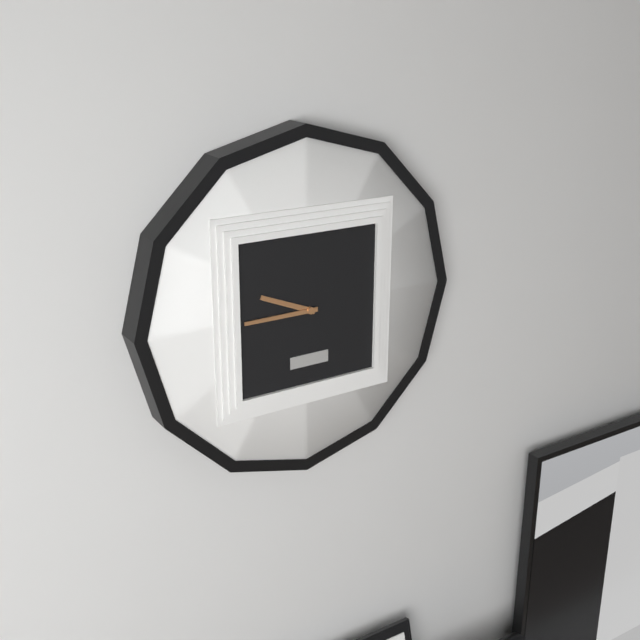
9,45
